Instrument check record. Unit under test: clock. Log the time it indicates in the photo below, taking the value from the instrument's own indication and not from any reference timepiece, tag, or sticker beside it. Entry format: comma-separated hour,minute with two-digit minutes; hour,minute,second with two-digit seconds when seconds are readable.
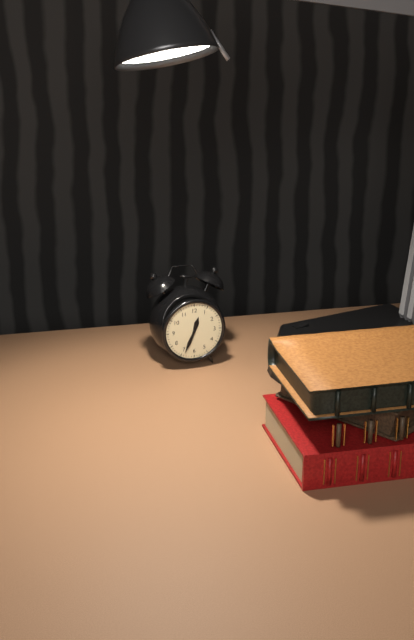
12,34
